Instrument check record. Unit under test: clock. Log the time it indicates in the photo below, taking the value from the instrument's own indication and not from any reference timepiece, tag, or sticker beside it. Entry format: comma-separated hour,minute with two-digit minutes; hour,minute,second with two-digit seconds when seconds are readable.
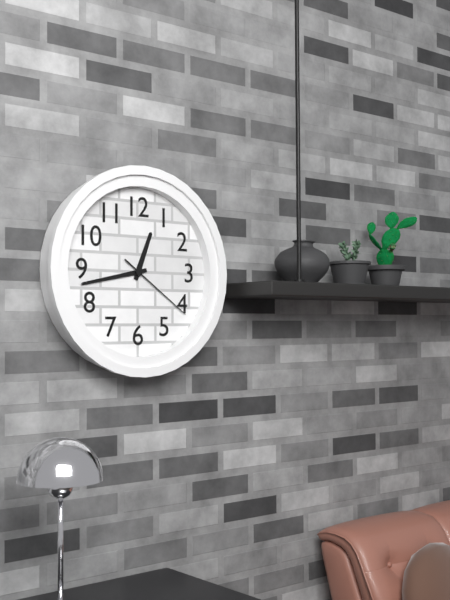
12,43,21
